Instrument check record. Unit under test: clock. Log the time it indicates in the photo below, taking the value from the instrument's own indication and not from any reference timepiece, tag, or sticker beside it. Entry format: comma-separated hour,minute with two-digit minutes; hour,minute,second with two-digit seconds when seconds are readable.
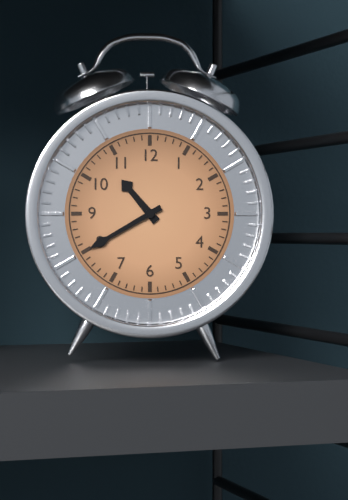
10,40
